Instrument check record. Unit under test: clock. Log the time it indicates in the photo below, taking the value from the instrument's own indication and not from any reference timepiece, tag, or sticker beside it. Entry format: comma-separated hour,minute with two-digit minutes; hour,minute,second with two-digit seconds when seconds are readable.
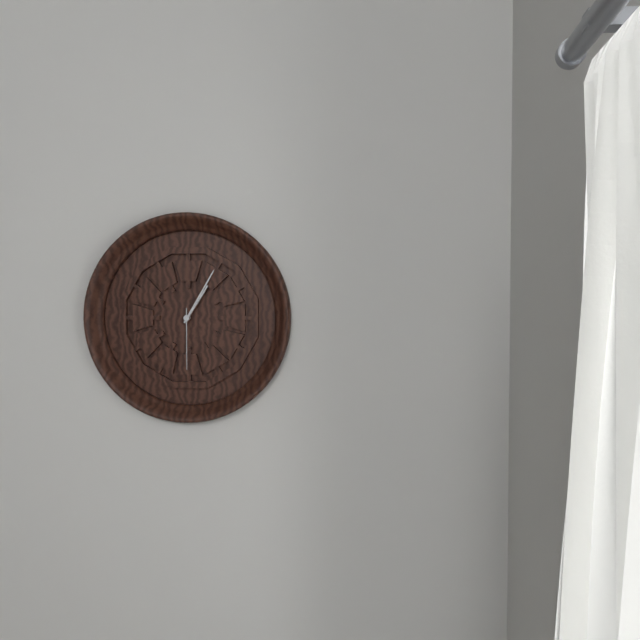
1,05,30
